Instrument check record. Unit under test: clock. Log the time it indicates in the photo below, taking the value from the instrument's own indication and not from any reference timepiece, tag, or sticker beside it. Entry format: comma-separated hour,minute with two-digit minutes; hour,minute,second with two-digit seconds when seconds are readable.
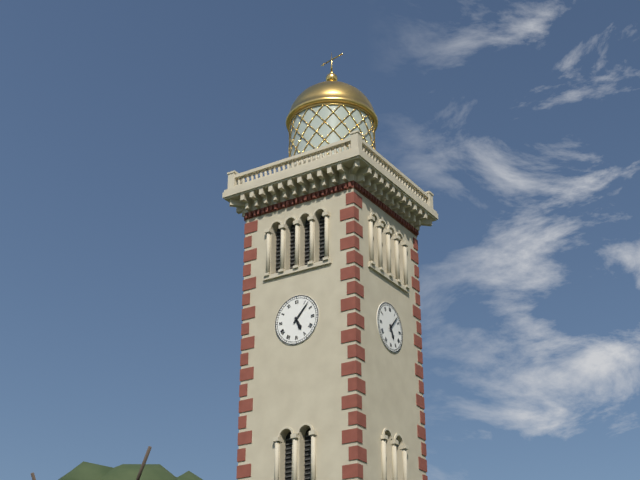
5,07
